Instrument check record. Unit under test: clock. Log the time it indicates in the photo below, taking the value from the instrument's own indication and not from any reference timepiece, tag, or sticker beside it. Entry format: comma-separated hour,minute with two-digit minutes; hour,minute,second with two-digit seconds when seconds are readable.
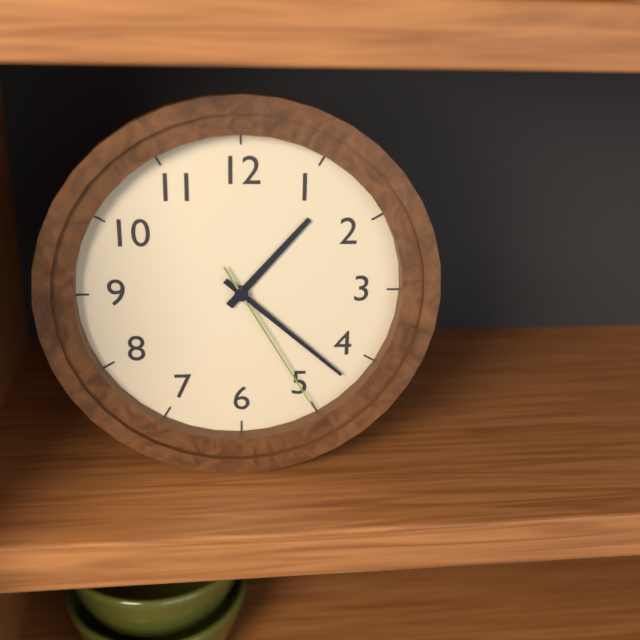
1,22,25
